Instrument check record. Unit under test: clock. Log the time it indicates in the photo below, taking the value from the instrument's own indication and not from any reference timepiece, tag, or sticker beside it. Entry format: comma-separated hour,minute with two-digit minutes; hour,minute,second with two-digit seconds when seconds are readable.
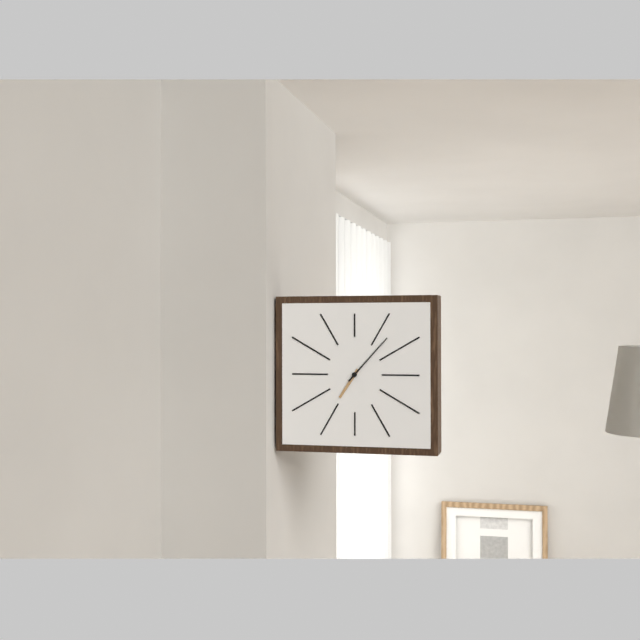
7,07
